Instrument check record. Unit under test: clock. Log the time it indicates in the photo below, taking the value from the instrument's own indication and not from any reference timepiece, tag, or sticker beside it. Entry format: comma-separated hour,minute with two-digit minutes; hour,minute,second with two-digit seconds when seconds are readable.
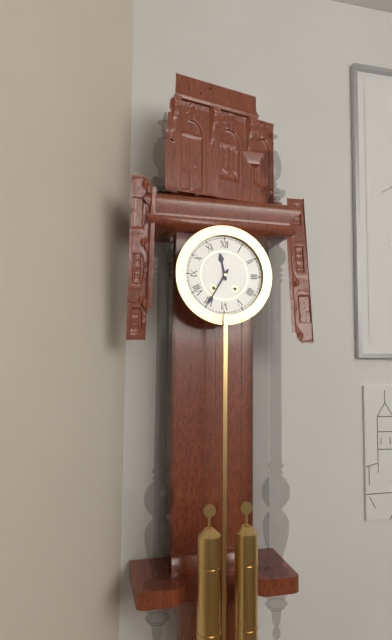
11,35
